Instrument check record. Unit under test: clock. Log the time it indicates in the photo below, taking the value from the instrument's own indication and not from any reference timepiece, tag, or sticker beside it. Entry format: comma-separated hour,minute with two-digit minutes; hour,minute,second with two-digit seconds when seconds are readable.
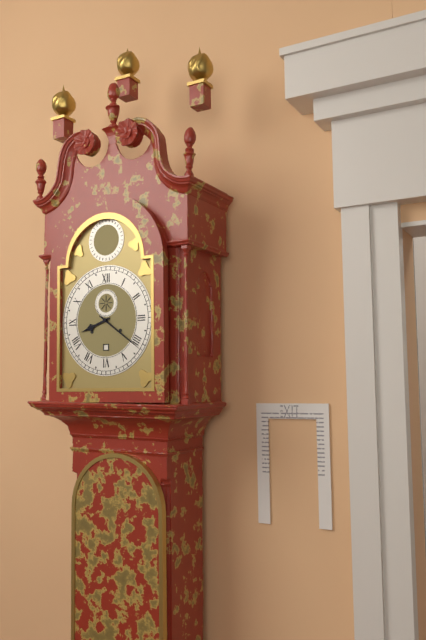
8,21
